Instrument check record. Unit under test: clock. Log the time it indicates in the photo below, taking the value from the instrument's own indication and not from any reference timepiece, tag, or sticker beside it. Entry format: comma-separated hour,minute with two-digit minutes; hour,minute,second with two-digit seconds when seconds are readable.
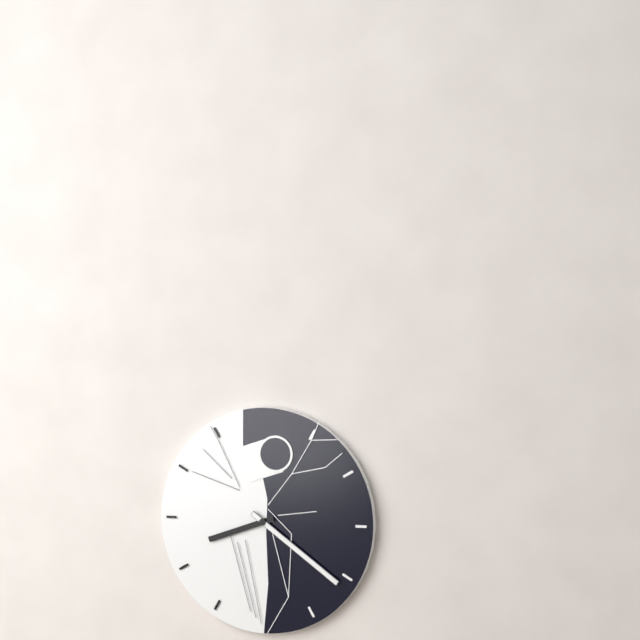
8,21
